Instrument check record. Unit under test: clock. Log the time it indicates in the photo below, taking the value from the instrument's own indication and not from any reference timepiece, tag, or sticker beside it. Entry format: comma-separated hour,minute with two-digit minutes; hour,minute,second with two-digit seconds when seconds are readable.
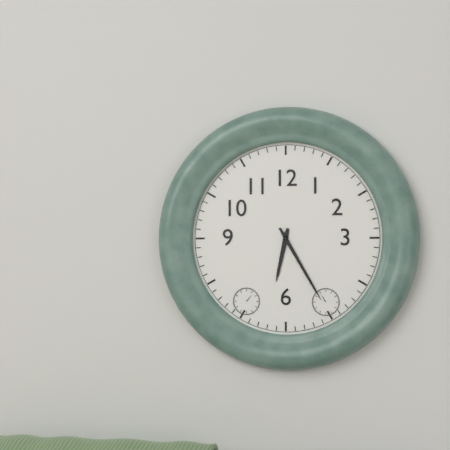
6,25
